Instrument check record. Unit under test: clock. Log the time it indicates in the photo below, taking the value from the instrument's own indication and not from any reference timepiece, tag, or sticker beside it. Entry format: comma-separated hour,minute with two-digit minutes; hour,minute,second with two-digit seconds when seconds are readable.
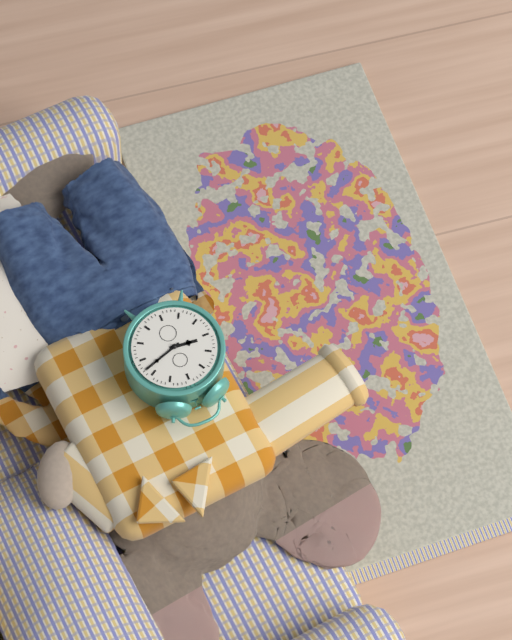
9,12
